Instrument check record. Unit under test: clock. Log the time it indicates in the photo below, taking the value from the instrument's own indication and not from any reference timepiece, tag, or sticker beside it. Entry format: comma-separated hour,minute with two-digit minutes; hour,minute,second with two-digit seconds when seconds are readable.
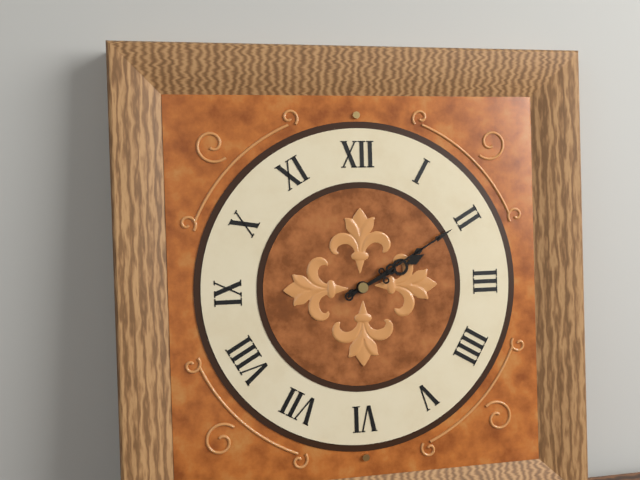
2,10
